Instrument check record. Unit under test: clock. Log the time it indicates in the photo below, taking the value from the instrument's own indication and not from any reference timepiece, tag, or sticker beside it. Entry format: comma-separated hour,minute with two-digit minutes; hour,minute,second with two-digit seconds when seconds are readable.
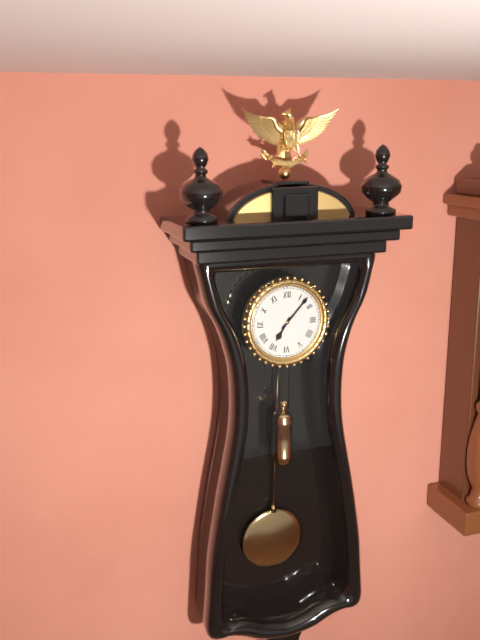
7,07
